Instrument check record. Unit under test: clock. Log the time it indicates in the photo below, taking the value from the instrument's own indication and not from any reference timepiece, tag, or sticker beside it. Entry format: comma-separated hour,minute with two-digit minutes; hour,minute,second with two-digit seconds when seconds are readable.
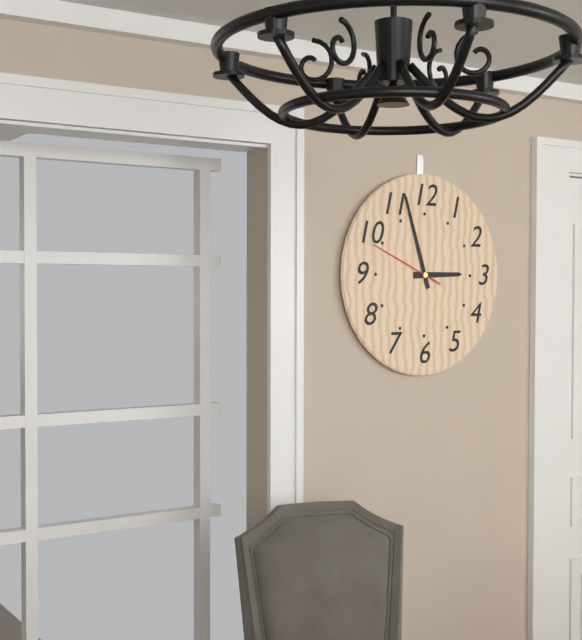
2,57,49
